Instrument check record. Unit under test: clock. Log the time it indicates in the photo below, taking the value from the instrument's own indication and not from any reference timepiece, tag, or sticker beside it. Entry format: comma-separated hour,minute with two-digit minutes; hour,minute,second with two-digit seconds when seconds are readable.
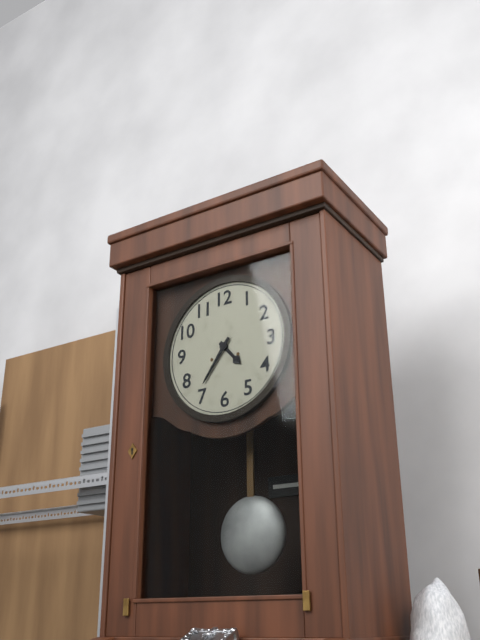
4,36
